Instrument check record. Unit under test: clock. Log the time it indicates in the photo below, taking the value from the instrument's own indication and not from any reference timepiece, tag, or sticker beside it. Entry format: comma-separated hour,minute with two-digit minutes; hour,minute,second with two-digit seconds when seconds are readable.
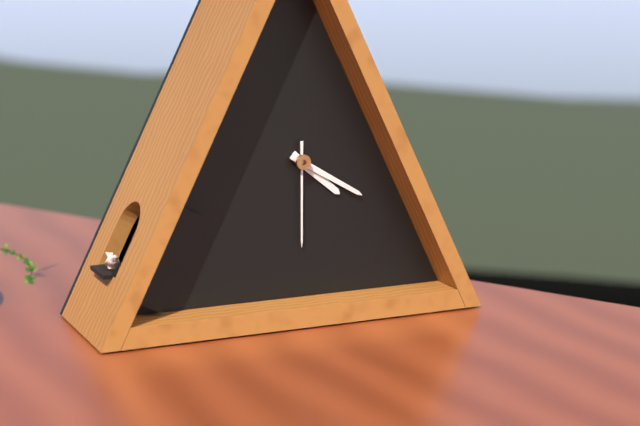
4,20,30
